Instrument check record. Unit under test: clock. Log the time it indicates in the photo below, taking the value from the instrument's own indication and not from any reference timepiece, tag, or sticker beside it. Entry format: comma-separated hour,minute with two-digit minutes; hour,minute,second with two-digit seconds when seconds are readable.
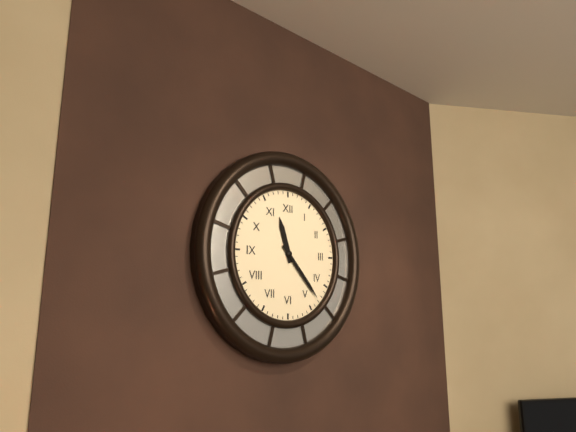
11,23
